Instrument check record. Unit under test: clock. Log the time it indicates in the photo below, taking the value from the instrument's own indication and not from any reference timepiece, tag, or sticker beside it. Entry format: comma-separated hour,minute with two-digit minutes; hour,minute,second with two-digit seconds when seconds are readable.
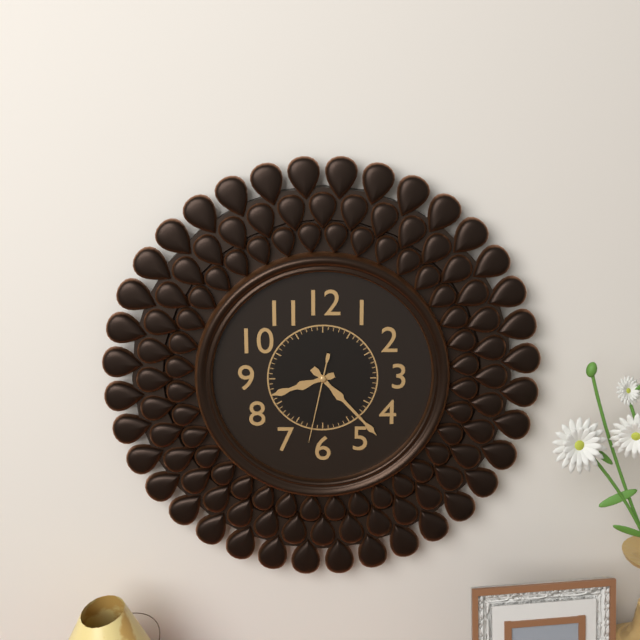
8,23,32
